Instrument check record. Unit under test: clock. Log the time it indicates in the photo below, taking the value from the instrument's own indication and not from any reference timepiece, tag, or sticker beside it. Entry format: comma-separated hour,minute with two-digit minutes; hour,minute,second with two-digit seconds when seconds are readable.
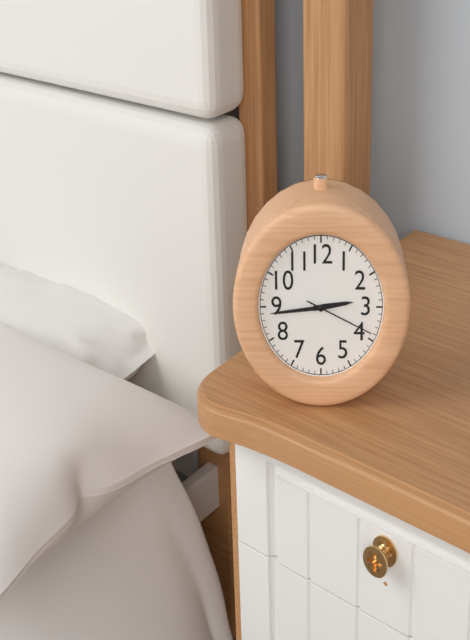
2,44,19
